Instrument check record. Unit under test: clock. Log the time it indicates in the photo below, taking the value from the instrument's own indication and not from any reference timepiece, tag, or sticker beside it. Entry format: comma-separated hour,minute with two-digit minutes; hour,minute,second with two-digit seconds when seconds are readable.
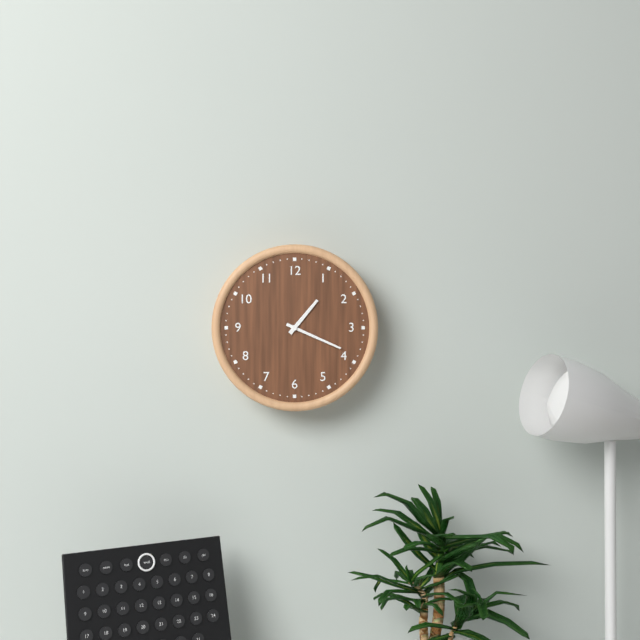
1,19
